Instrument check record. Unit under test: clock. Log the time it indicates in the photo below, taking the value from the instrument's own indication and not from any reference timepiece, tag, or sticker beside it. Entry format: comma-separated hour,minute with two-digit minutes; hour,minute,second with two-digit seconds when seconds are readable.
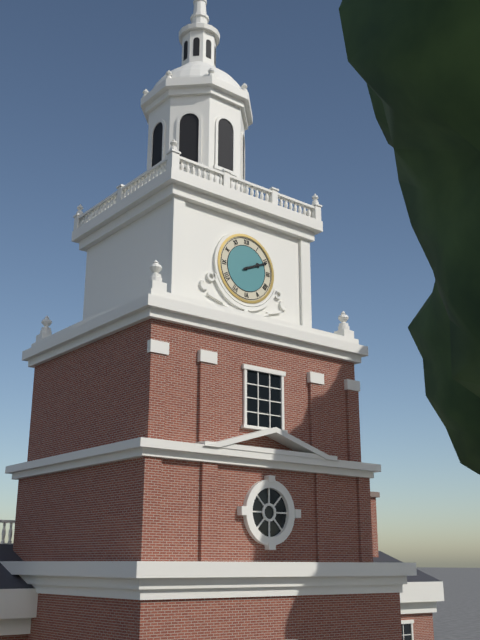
2,11
